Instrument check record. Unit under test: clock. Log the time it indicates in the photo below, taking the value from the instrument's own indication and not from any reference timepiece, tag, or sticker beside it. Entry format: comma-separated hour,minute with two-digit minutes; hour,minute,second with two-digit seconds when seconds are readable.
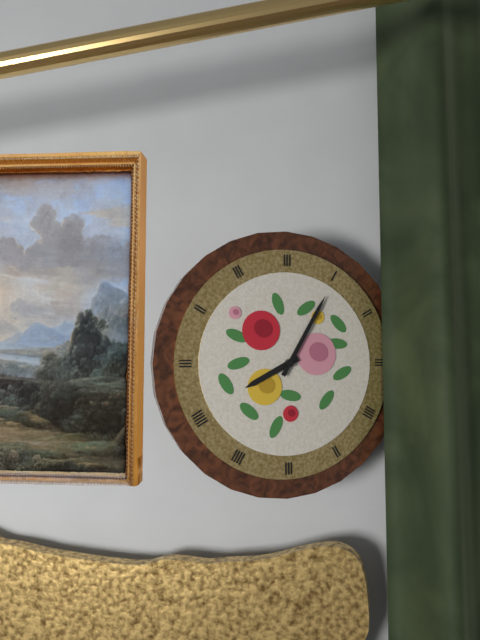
8,05
